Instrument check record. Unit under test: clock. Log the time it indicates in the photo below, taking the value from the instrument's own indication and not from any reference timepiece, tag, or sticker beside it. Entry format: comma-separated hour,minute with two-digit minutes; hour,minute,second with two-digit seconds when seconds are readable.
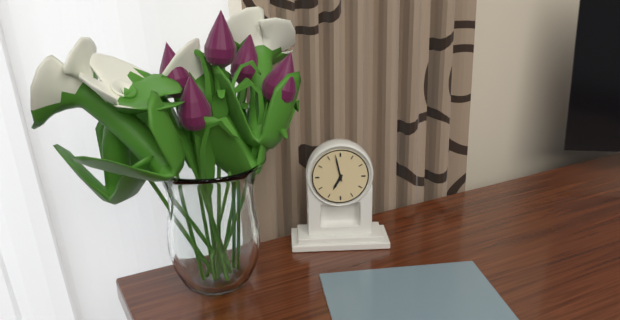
6,58
